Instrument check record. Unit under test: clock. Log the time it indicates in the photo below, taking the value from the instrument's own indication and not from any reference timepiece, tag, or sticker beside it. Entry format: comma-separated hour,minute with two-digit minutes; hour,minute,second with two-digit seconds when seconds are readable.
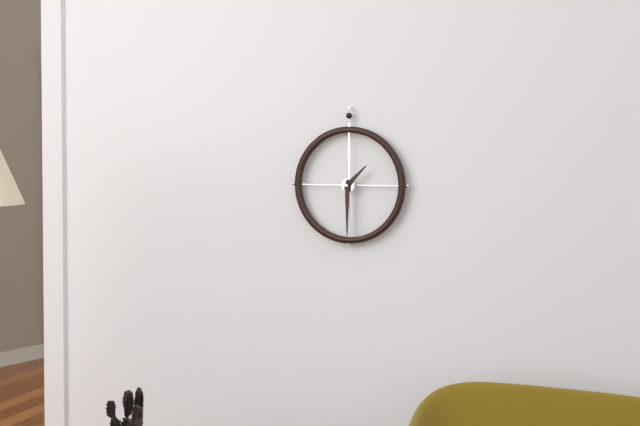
1,30
